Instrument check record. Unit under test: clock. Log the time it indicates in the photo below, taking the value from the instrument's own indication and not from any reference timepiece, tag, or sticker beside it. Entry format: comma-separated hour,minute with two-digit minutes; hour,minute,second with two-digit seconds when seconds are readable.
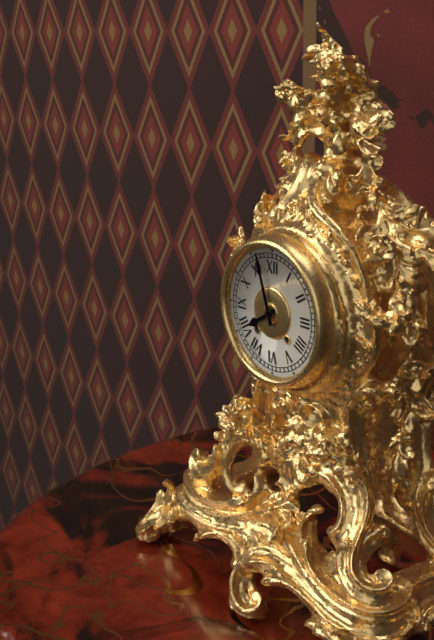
7,57
